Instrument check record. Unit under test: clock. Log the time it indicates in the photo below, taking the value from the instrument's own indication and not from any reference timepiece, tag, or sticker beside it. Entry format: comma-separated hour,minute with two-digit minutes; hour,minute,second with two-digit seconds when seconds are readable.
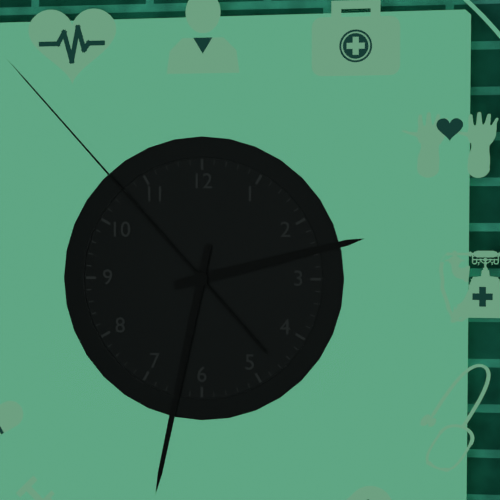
2,32,53
